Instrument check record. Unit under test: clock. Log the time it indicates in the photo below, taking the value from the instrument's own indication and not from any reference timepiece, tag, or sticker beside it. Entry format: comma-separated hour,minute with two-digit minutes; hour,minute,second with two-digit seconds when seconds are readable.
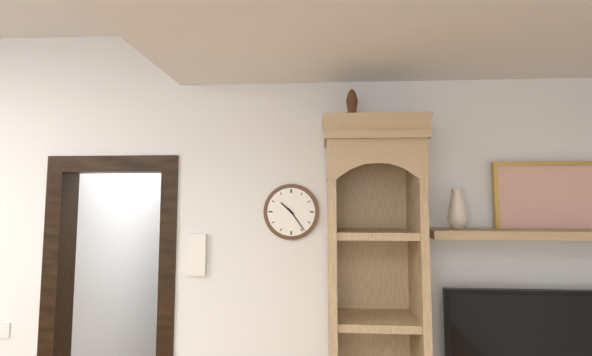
10,24
